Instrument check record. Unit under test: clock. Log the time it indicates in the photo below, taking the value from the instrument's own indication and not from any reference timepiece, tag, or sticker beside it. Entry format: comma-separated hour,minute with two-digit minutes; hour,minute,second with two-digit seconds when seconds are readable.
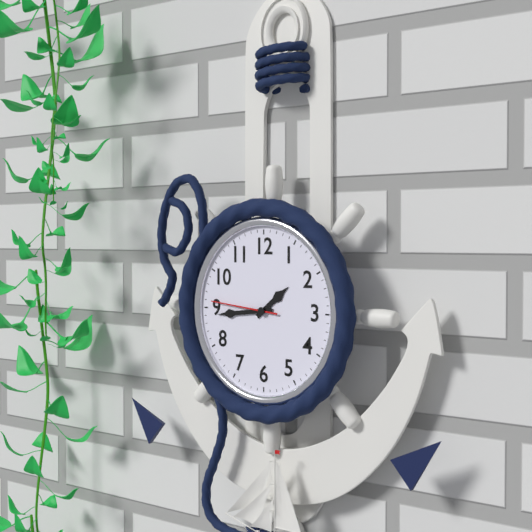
1,44,46
